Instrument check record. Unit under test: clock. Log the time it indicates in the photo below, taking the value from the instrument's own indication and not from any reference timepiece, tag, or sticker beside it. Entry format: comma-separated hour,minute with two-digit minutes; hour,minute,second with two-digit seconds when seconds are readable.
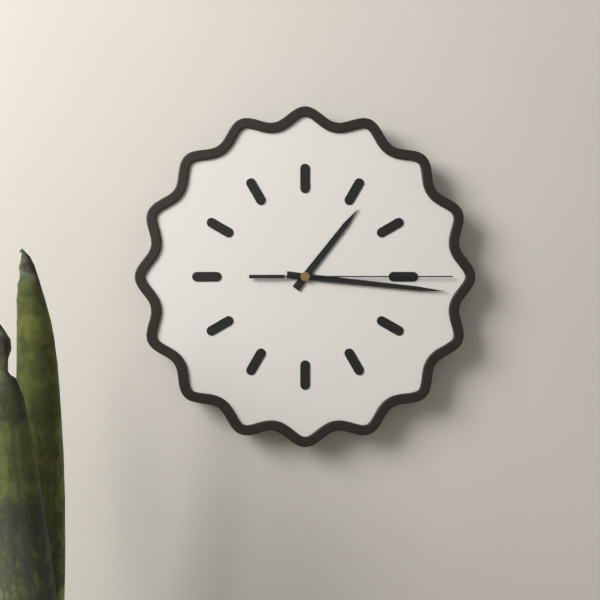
1,16,15
